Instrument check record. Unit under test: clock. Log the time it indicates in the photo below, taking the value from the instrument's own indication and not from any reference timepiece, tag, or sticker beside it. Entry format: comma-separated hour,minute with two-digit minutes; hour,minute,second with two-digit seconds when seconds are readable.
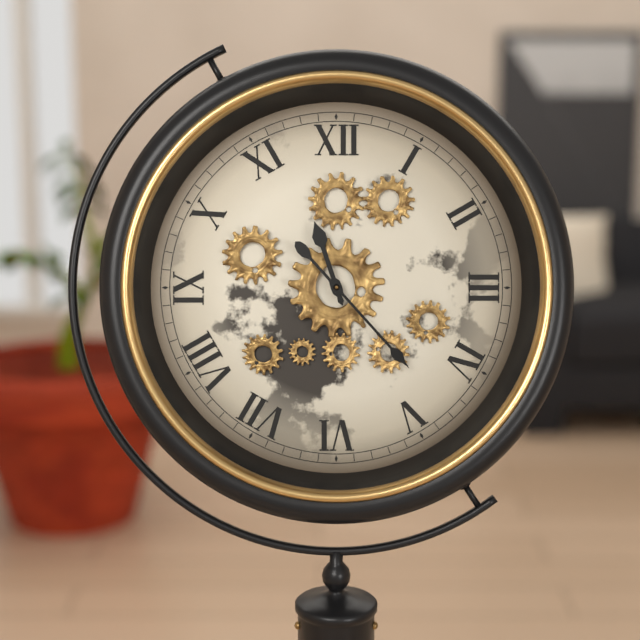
11,23
